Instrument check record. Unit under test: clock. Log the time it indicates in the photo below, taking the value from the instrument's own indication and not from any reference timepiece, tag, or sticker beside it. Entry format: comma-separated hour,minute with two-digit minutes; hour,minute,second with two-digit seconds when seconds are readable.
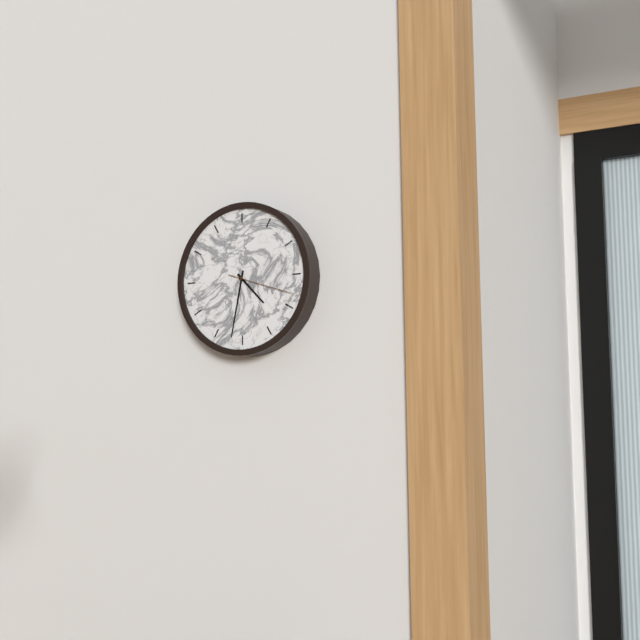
4,32,18
